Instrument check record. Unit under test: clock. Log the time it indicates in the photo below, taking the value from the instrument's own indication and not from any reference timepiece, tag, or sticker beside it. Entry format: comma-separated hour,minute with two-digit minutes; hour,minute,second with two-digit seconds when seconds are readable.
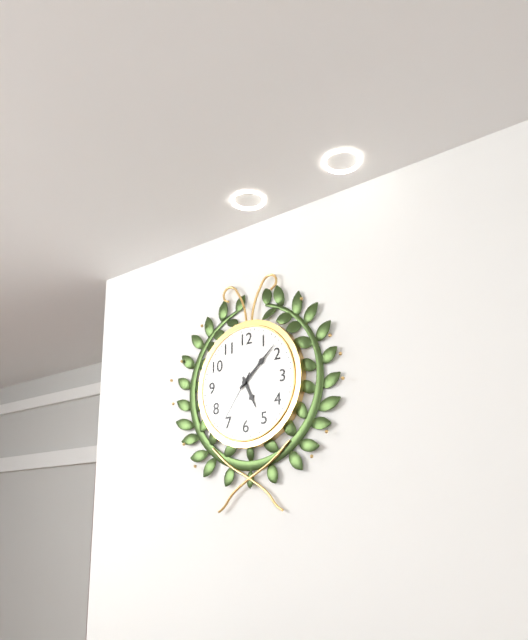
5,08,36
